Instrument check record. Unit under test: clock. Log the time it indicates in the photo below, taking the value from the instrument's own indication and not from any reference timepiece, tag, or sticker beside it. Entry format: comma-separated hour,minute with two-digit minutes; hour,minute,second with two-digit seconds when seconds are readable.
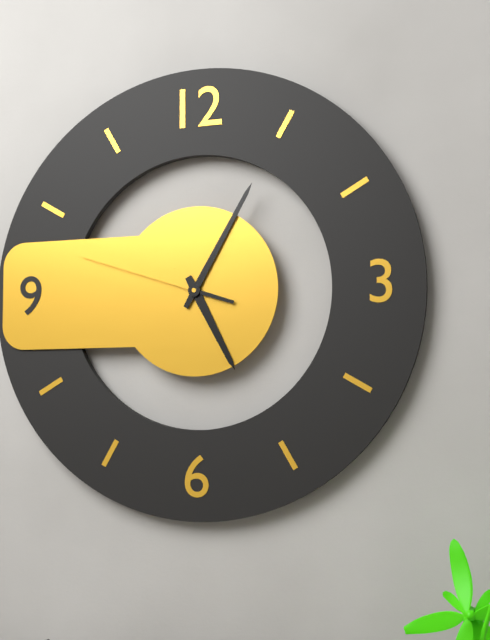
5,05,48
